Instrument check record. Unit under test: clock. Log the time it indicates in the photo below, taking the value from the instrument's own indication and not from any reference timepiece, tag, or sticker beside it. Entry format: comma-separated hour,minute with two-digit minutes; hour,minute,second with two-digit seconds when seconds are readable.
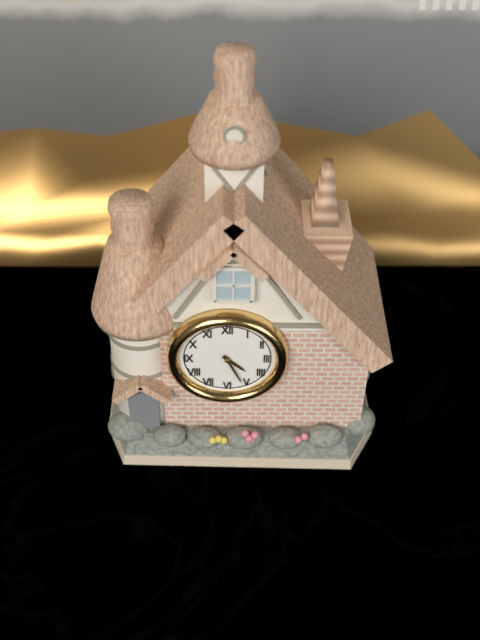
4,26
